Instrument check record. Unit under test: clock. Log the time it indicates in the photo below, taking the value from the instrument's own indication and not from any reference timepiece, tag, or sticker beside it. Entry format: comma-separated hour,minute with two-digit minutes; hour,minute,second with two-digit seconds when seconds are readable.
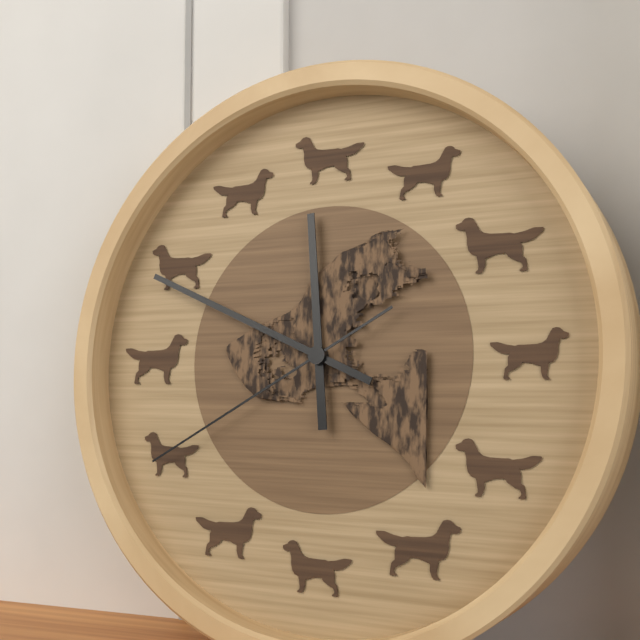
11,49,40
